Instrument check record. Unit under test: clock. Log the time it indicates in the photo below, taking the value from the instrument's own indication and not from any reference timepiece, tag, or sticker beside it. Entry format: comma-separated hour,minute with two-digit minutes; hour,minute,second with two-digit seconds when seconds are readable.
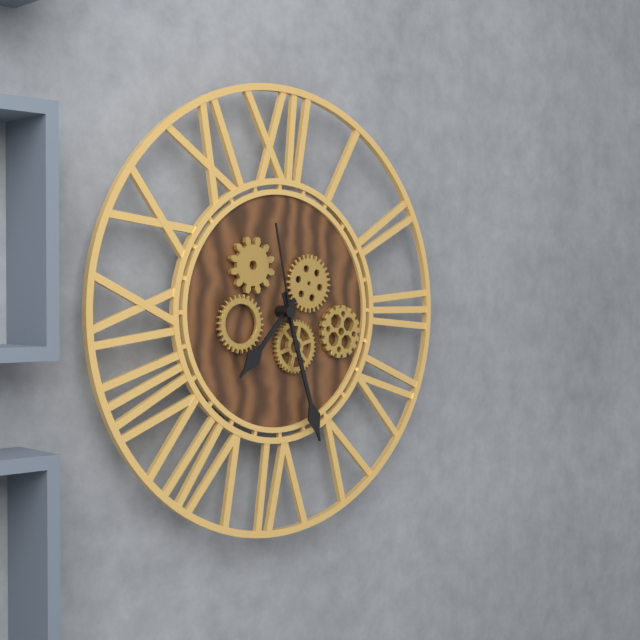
7,27,58
